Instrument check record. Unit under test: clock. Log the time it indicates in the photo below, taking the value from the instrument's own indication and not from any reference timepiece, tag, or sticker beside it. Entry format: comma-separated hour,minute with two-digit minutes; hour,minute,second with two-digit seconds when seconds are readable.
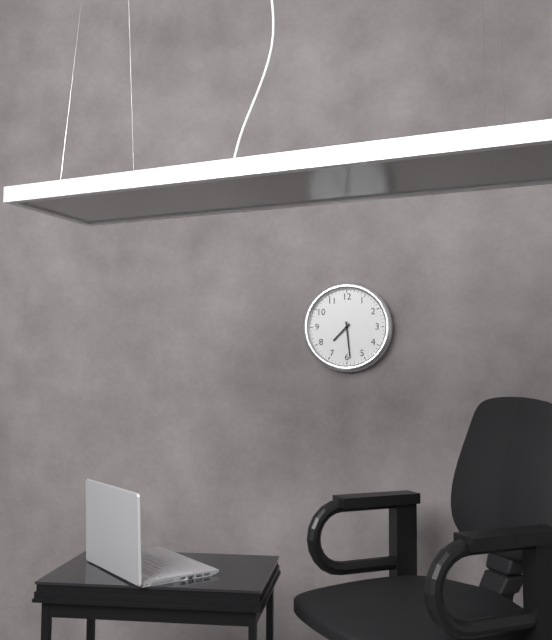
7,29
